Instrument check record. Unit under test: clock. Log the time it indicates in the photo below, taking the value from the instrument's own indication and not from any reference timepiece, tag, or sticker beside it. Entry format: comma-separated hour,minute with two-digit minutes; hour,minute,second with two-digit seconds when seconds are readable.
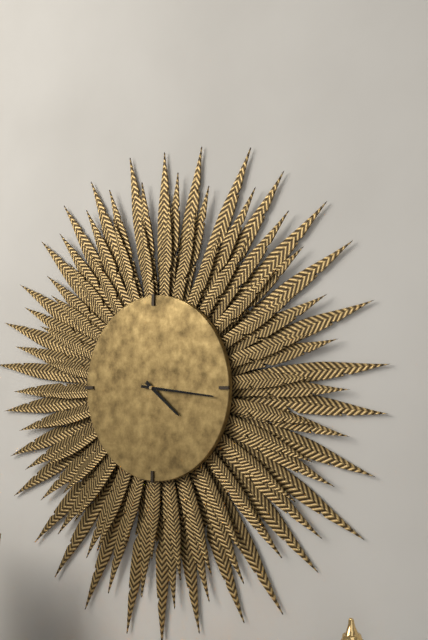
4,16
